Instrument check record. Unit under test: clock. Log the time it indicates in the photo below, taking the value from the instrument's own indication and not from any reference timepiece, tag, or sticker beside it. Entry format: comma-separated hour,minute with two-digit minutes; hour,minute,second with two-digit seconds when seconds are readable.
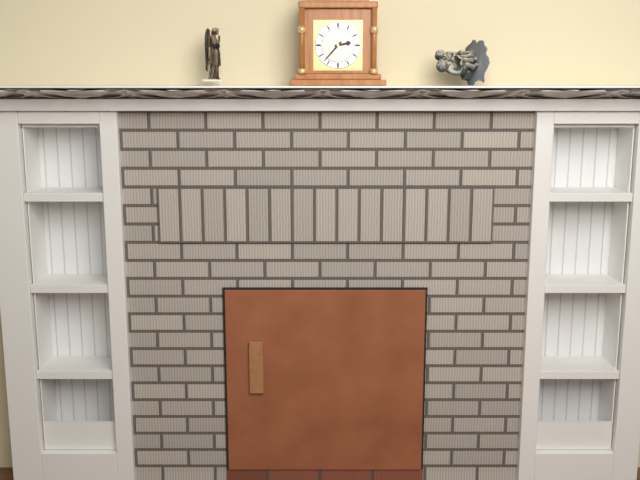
2,37
